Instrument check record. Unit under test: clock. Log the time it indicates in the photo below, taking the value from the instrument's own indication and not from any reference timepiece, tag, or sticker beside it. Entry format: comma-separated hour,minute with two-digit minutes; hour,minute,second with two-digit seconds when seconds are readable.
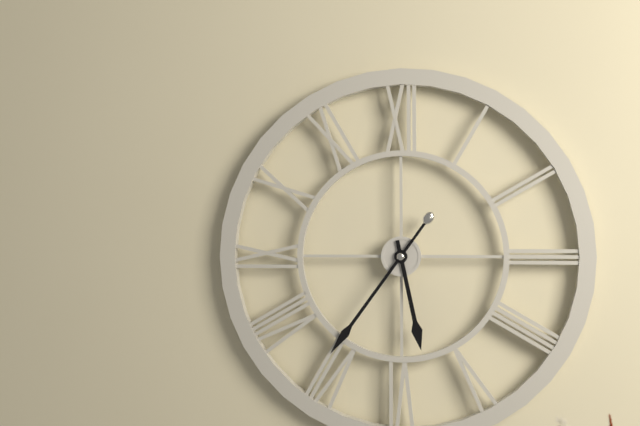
5,36
